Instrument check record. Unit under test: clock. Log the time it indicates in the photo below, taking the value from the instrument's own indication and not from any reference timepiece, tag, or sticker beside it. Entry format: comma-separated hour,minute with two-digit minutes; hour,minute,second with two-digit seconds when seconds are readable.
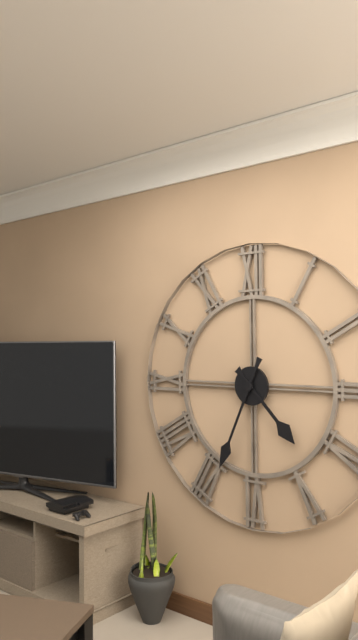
4,34
